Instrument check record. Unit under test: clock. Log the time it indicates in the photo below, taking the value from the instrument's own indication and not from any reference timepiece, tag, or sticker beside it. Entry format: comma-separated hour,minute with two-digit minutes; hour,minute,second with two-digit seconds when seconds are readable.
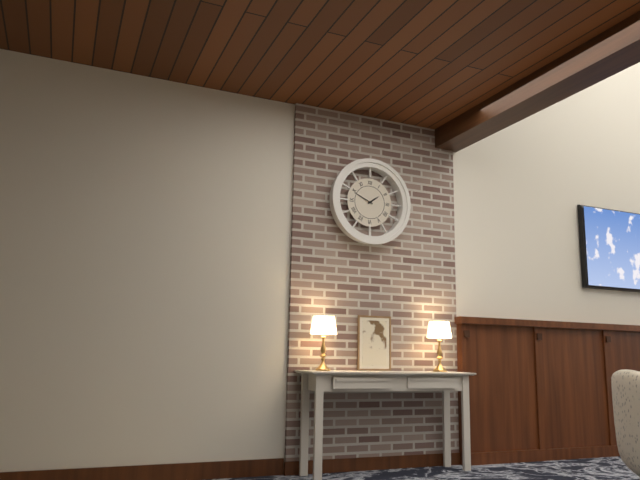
1,49
